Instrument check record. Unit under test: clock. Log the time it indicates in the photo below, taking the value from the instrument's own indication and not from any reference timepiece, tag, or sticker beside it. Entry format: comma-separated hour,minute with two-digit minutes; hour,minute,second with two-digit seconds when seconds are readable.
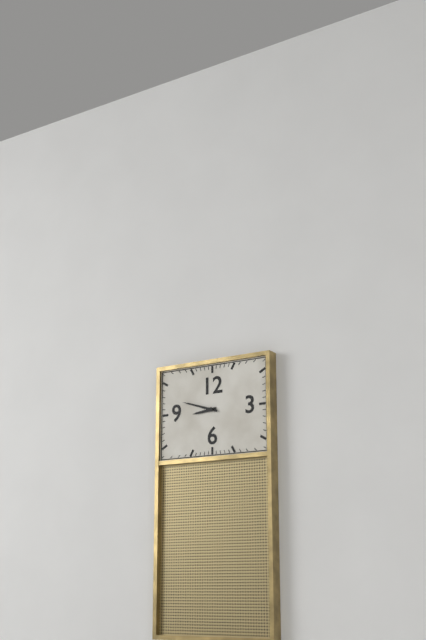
8,48
